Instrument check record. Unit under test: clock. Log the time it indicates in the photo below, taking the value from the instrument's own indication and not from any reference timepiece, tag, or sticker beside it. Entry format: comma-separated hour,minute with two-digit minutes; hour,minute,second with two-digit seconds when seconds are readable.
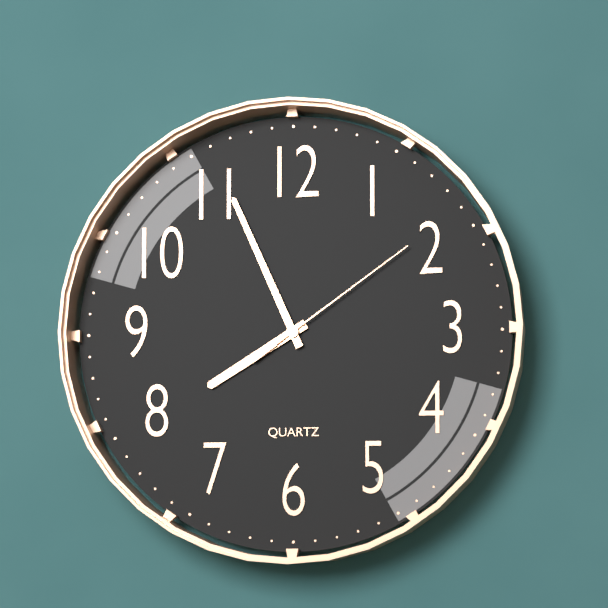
7,56,09
